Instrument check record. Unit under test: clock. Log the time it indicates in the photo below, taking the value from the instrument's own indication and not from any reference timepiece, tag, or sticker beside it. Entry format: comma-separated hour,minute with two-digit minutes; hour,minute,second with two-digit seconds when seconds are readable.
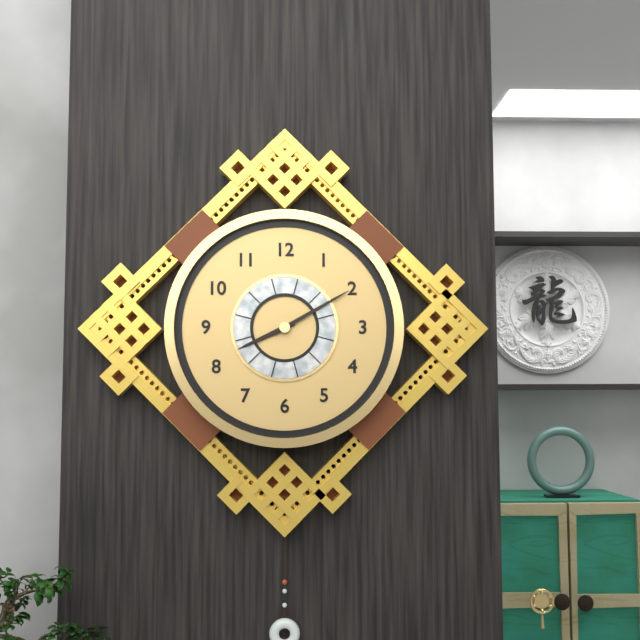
8,10
